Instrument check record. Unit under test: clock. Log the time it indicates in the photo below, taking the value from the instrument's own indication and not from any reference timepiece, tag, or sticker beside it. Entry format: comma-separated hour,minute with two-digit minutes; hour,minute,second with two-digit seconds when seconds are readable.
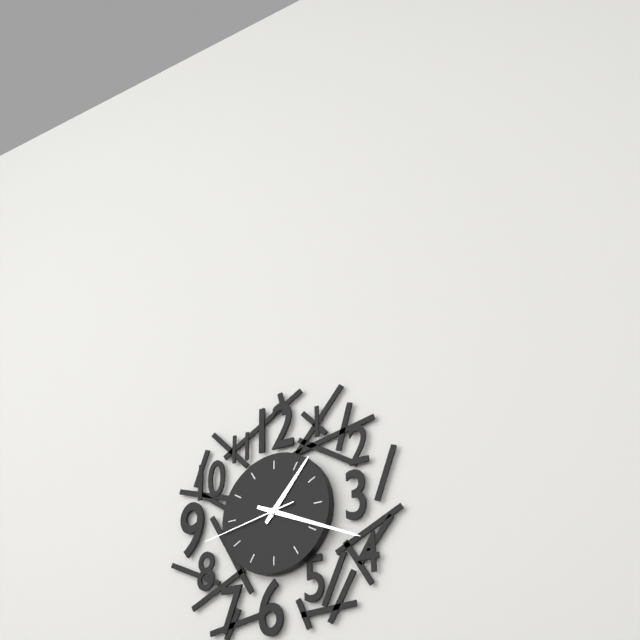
1,19,43
